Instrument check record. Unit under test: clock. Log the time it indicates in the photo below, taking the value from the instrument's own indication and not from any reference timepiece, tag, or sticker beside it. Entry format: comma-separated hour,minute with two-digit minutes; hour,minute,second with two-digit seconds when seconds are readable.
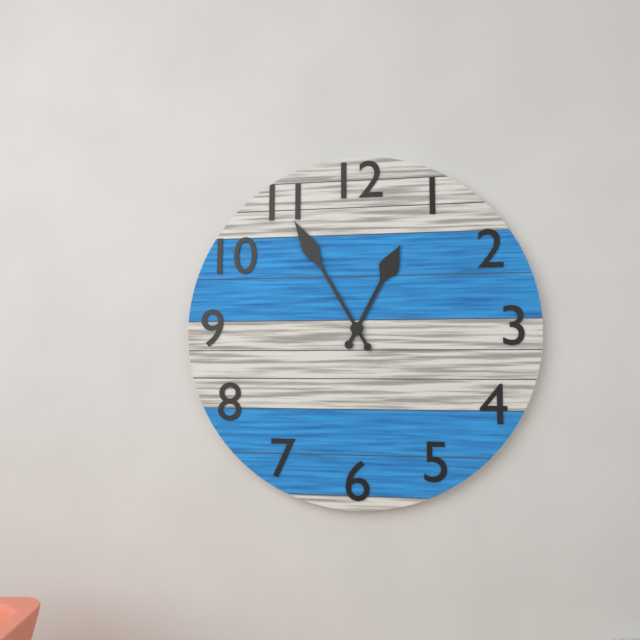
12,55
